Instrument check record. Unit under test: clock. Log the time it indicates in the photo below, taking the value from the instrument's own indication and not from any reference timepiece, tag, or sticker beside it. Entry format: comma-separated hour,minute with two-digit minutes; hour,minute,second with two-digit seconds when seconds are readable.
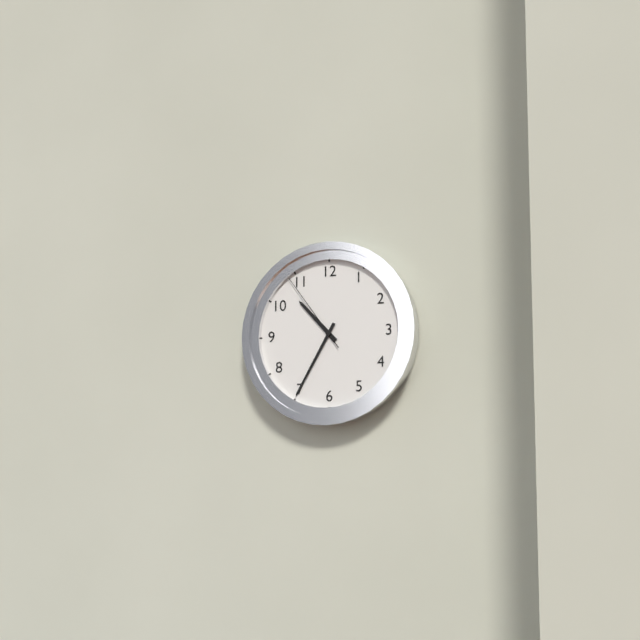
10,35,54
